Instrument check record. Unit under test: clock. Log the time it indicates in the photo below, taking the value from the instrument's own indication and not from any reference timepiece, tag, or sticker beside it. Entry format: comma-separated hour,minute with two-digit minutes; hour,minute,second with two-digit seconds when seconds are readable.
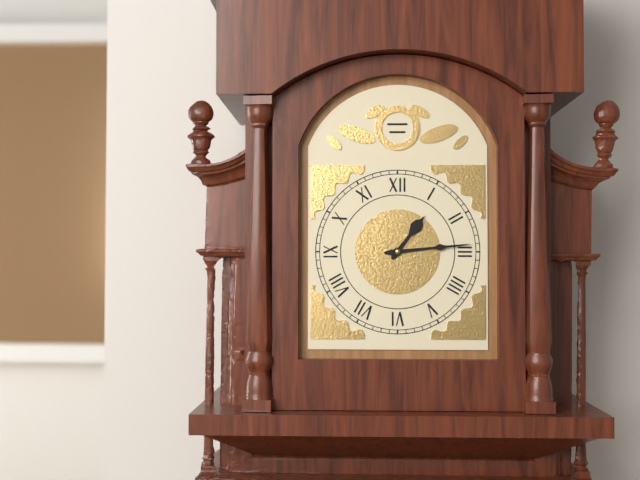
1,14
